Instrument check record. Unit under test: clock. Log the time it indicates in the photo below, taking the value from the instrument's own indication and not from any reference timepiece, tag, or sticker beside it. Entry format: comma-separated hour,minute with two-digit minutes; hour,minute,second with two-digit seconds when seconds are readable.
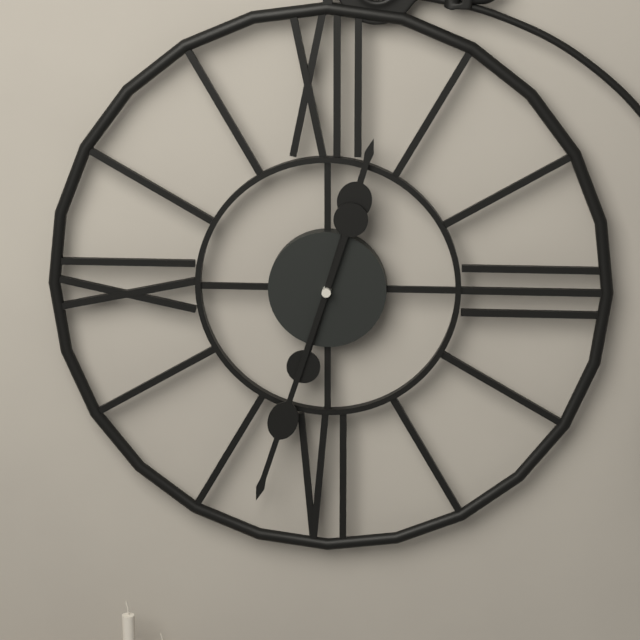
12,33
